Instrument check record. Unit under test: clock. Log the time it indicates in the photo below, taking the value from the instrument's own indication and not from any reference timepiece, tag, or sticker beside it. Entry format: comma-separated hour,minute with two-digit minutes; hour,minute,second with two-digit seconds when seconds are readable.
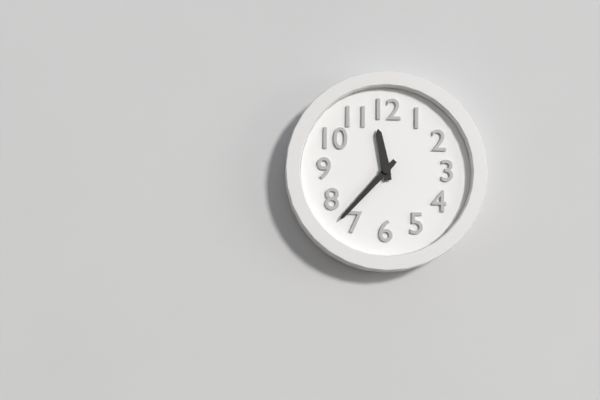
11,37
